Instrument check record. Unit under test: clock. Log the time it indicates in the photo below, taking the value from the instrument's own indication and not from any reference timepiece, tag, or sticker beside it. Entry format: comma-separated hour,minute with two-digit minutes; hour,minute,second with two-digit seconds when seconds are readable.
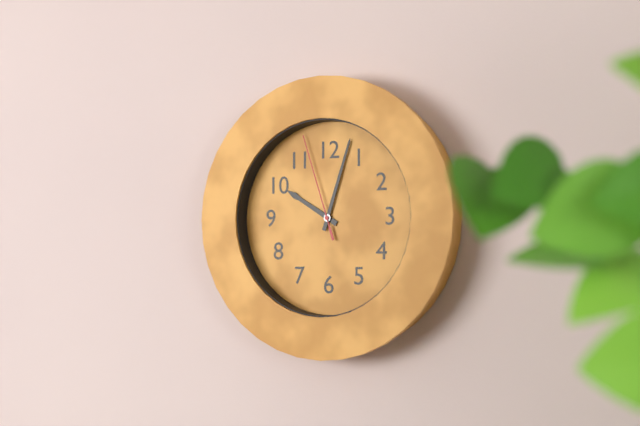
10,03,57
